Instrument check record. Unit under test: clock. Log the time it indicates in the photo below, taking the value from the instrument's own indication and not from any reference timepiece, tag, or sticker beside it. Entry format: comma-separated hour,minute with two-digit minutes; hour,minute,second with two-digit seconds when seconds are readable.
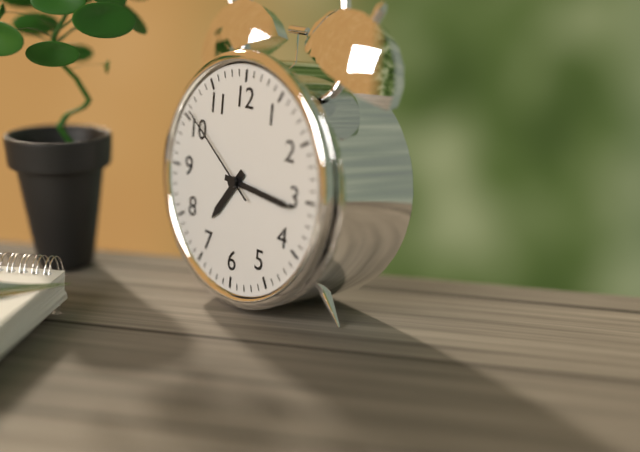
7,16,51
